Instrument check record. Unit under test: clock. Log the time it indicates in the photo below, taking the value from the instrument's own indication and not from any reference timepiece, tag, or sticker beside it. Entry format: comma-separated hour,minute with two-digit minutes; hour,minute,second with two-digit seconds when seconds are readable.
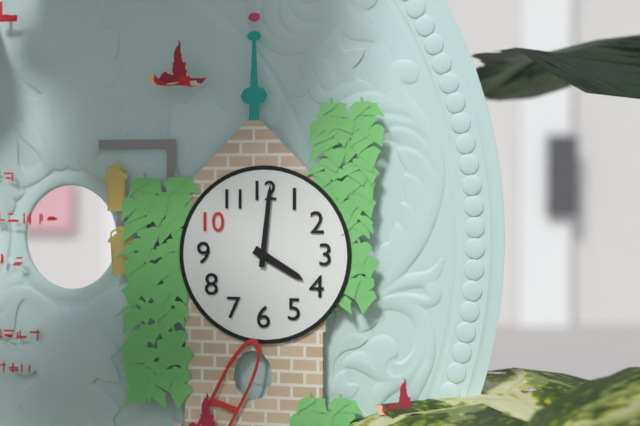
4,01
